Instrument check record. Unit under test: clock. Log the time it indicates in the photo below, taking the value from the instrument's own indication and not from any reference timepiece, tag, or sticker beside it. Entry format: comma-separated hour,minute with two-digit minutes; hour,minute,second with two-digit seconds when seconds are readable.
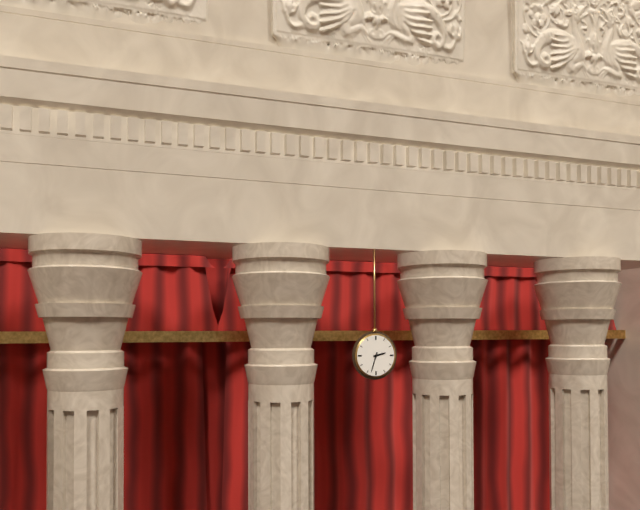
2,33
